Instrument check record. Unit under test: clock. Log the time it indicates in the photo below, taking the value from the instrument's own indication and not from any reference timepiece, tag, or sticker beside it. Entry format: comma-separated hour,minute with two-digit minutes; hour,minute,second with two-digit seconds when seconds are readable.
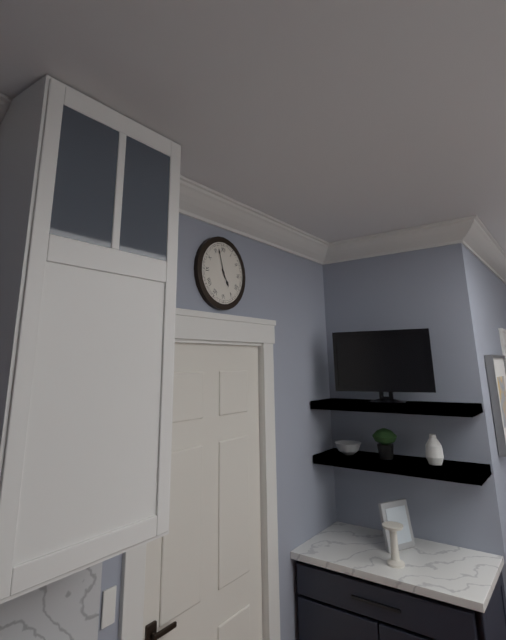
4,57
